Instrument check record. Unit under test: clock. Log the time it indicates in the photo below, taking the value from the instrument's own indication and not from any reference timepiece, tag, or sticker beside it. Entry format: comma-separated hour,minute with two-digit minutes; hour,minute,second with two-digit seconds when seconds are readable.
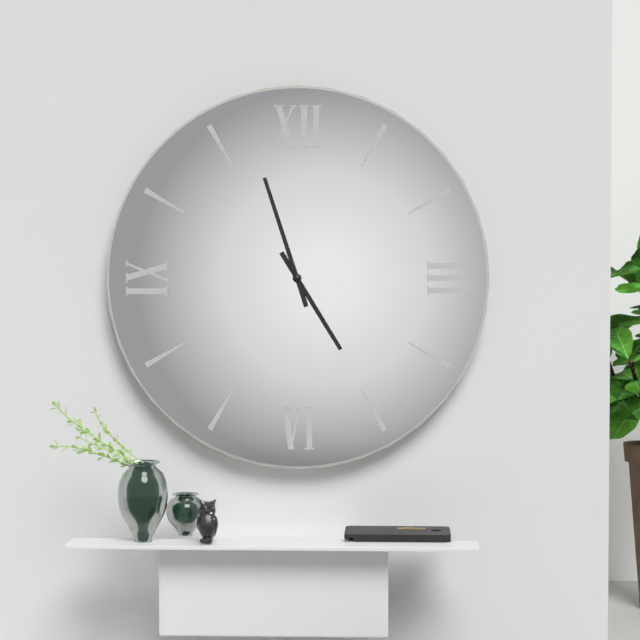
4,57
